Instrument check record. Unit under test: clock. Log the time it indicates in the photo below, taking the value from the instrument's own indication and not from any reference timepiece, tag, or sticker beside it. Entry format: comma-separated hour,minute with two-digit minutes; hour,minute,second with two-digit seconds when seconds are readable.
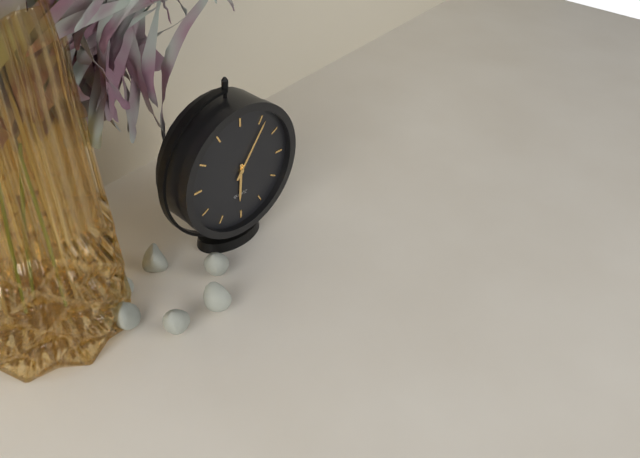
6,06
